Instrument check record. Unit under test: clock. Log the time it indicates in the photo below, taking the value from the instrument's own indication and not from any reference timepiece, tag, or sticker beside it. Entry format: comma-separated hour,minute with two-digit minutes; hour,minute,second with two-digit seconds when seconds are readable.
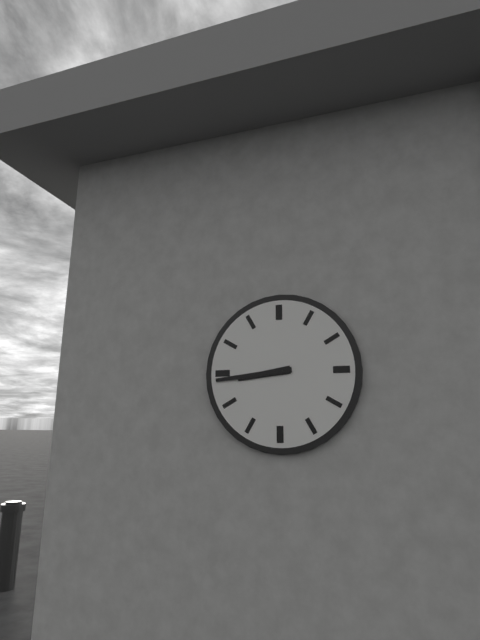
8,44
